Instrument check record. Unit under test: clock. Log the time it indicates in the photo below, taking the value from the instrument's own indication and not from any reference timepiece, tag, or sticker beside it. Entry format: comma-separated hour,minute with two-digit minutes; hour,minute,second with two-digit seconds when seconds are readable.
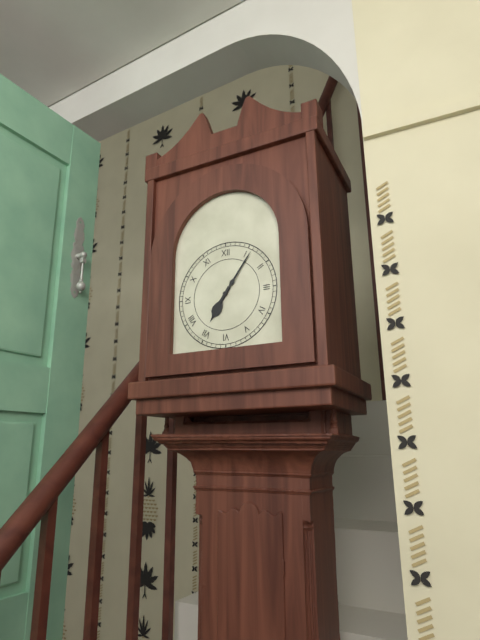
7,06
